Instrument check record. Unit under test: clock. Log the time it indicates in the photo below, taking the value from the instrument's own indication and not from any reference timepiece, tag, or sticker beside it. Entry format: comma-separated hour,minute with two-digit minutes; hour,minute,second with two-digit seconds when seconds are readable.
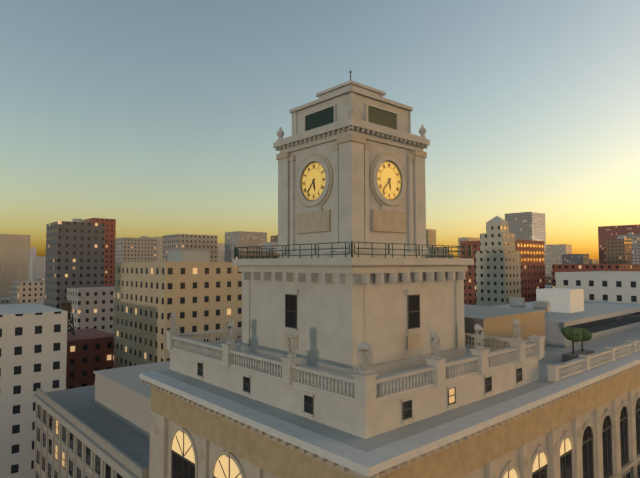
5,37
